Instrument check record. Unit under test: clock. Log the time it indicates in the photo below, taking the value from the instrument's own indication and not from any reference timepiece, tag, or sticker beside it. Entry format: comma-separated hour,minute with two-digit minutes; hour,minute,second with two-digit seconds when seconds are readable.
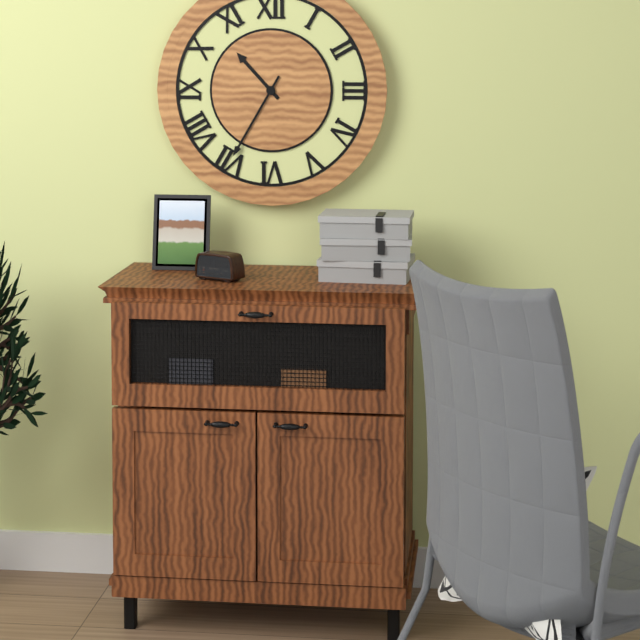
10,35
